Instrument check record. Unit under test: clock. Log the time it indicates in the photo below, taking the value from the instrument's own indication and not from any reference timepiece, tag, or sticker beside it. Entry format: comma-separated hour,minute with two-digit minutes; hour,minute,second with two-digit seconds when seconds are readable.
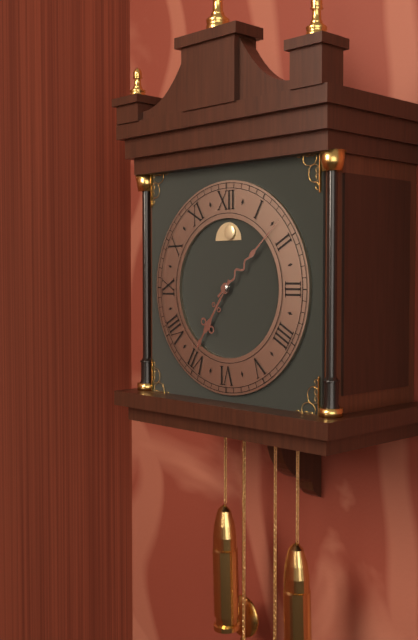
7,08
